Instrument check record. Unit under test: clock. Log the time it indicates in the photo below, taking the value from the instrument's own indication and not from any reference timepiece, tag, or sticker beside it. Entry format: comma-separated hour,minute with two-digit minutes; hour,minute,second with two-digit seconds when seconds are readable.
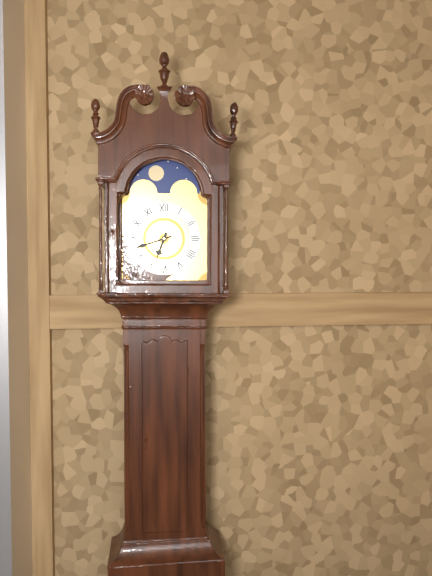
6,42
